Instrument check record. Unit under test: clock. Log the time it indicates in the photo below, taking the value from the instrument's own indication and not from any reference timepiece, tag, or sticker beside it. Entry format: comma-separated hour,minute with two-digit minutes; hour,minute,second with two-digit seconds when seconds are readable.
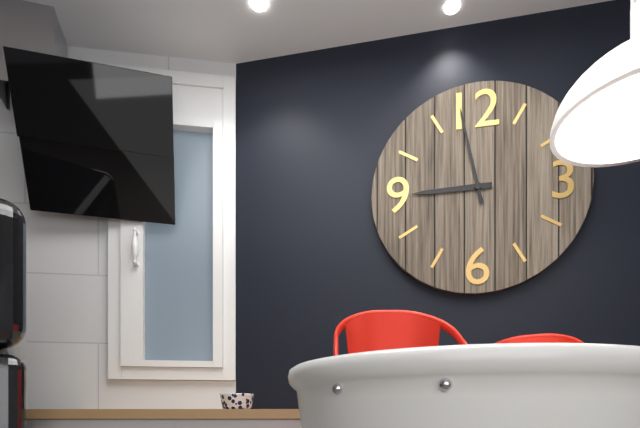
8,58
